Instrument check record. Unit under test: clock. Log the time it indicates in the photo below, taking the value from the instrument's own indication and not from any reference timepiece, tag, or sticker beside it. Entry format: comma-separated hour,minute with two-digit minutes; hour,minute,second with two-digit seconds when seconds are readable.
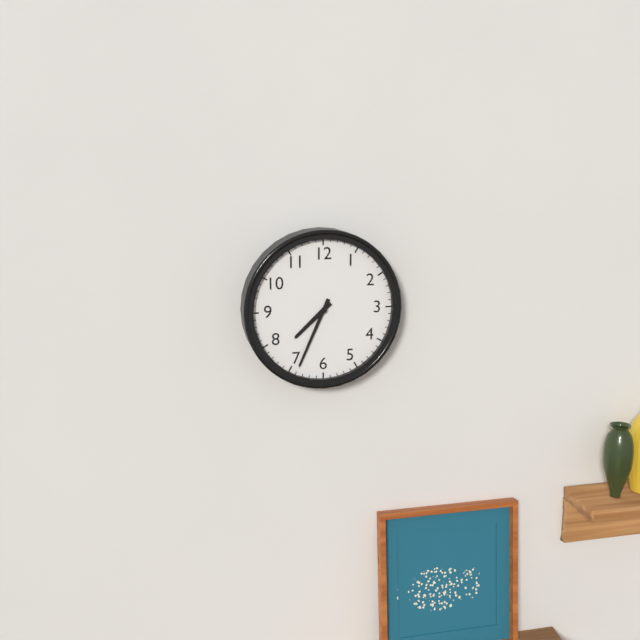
7,34
